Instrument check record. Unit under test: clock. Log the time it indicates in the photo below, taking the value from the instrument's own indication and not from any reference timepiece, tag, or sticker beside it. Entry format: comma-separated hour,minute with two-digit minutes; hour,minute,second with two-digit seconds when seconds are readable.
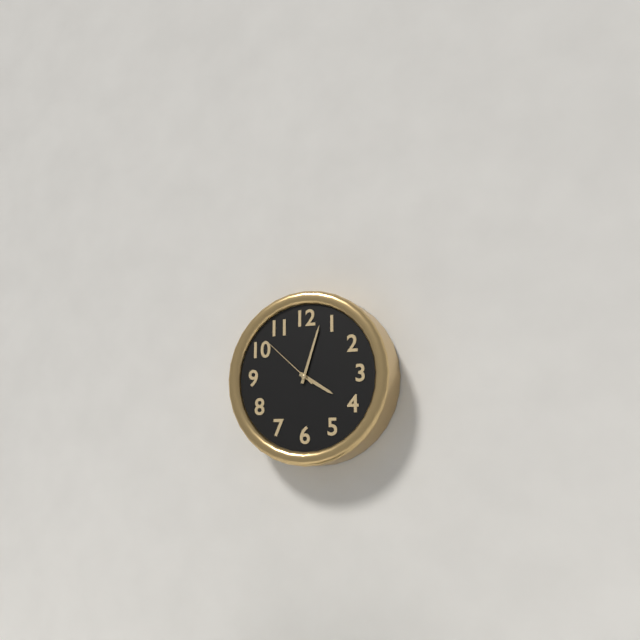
4,03,52
